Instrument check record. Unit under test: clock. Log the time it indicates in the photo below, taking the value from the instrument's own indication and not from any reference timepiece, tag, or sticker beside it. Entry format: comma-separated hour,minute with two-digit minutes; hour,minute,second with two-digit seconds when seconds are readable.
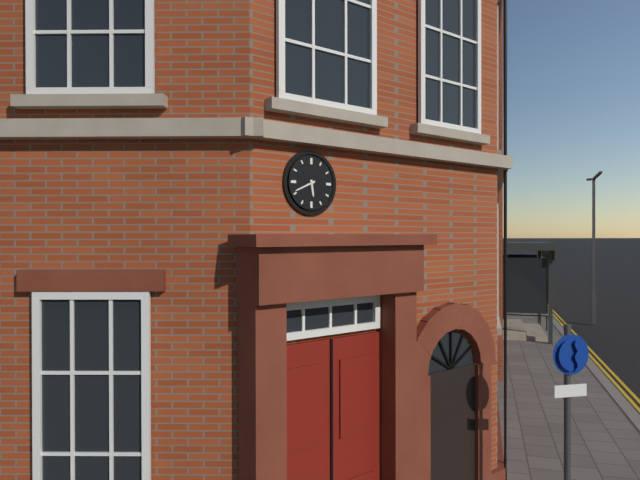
5,41
